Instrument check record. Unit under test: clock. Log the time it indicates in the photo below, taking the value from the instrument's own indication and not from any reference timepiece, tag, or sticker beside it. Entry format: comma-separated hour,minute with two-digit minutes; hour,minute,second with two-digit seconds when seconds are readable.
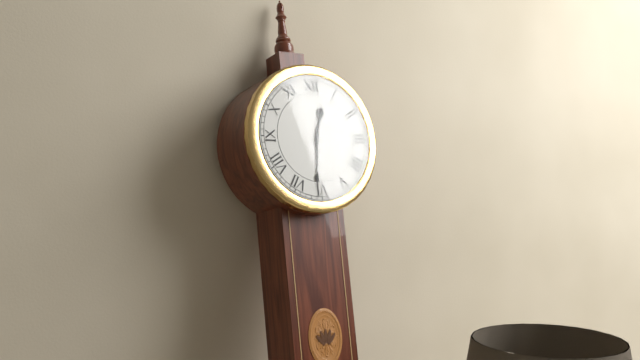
12,31
